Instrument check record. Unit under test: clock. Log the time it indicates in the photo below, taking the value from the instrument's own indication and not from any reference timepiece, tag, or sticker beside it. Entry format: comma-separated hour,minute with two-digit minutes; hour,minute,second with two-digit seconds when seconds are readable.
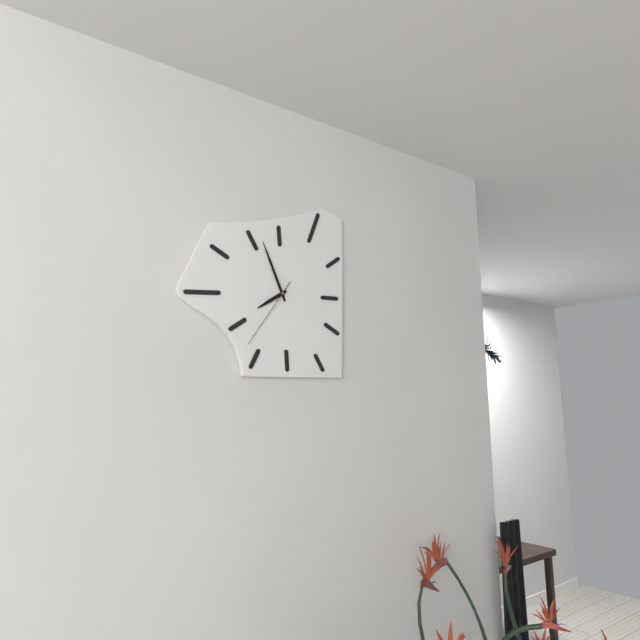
7,56,36
